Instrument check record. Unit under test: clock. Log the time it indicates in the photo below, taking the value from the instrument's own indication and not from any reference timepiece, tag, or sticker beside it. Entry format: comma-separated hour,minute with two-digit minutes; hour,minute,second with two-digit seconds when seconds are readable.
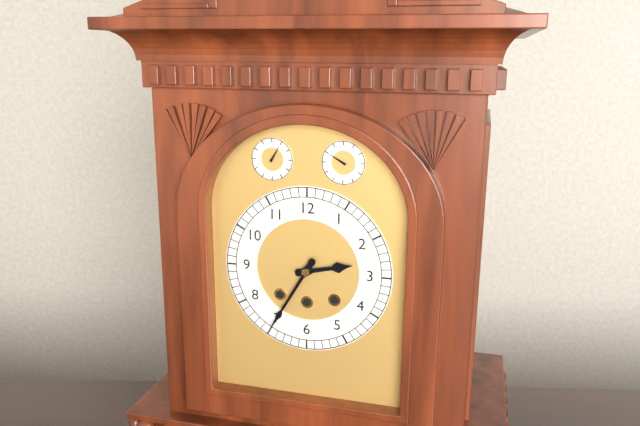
2,35
